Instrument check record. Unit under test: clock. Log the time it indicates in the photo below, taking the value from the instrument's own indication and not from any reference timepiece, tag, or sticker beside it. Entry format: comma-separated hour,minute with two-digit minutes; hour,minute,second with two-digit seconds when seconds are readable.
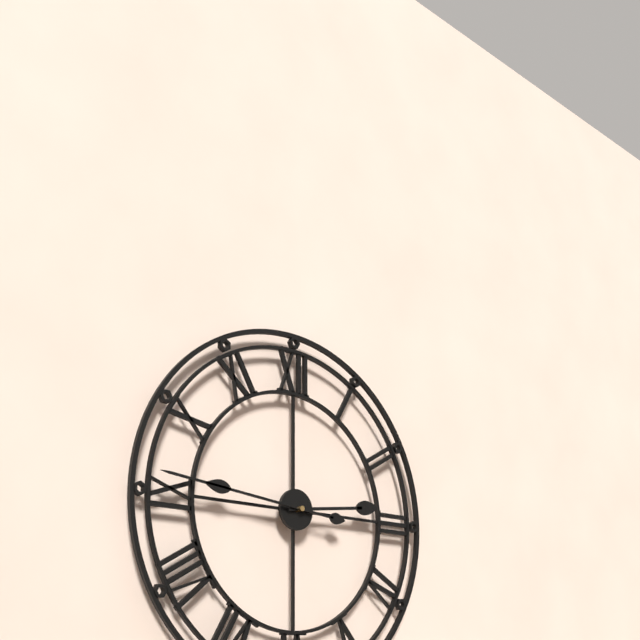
2,46
